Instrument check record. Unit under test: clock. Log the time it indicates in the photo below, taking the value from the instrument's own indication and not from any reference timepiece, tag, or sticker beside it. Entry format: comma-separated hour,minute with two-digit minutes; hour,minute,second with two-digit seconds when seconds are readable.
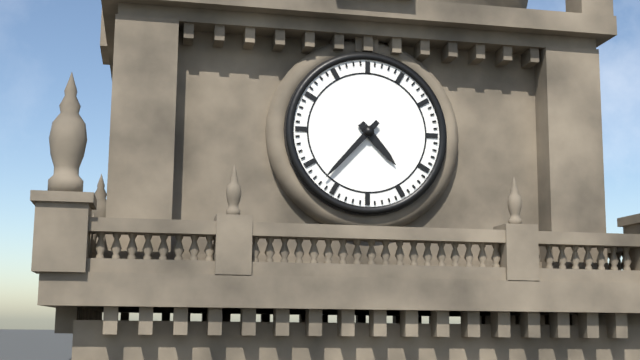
4,37
